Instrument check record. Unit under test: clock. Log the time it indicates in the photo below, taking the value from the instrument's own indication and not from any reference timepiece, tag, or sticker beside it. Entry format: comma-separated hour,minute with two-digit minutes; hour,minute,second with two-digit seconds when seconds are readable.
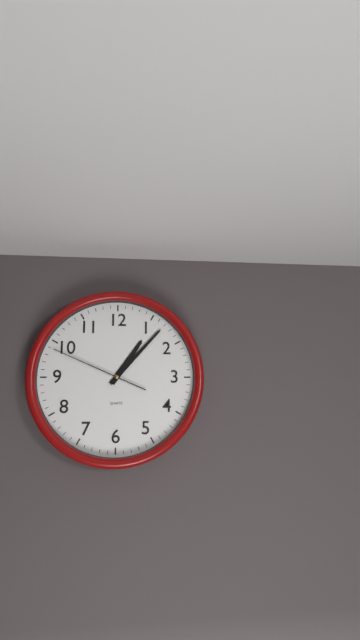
1,07,49
